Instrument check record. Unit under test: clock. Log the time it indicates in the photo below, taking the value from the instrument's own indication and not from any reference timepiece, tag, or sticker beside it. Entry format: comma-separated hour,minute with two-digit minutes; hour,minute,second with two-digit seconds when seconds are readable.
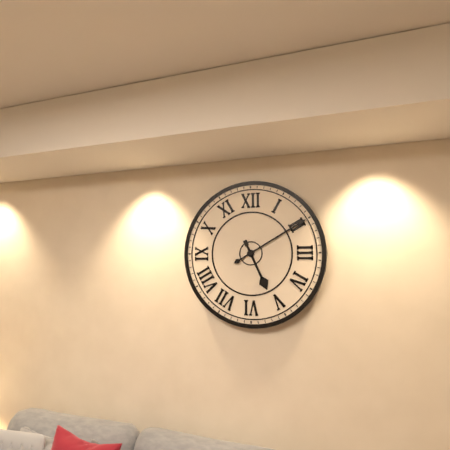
5,10
